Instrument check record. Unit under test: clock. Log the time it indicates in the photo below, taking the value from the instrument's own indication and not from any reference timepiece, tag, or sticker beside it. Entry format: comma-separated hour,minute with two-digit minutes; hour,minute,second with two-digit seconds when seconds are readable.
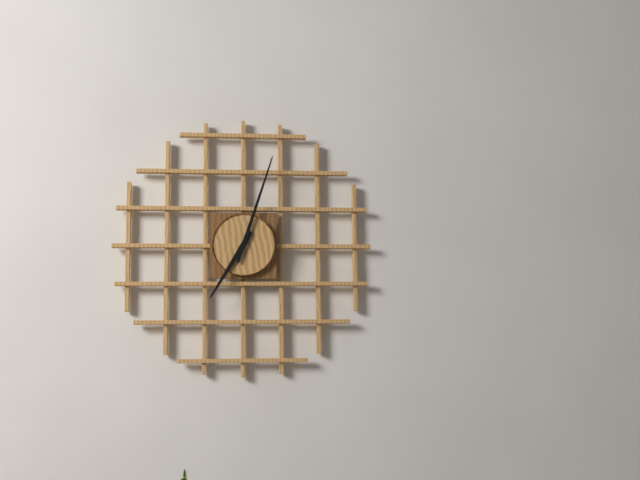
7,03
